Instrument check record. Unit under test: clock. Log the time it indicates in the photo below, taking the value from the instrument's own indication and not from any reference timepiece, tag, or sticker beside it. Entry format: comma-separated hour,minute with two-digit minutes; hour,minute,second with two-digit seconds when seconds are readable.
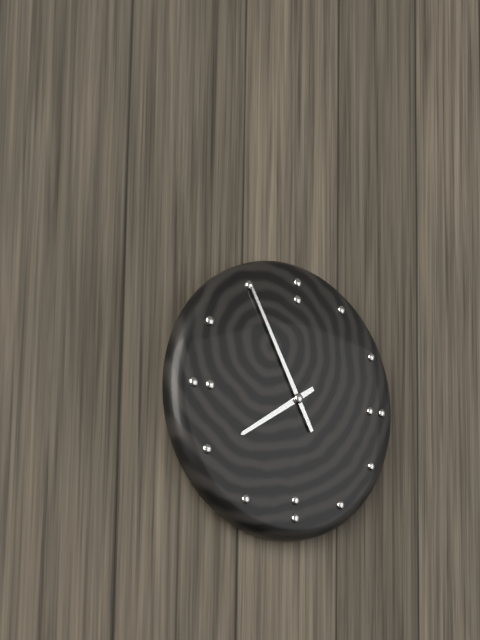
7,55
